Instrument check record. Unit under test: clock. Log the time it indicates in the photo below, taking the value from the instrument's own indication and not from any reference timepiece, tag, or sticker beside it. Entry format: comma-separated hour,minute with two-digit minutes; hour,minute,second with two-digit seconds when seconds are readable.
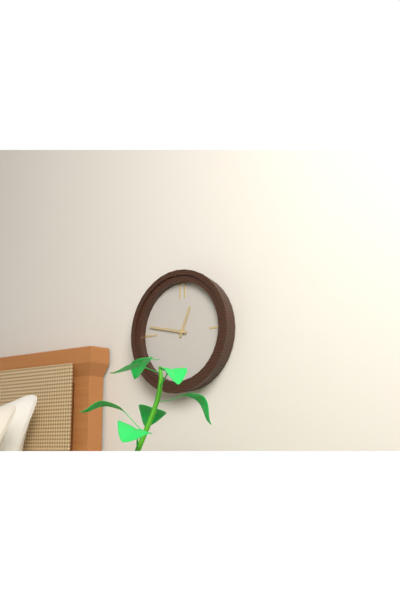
12,47
